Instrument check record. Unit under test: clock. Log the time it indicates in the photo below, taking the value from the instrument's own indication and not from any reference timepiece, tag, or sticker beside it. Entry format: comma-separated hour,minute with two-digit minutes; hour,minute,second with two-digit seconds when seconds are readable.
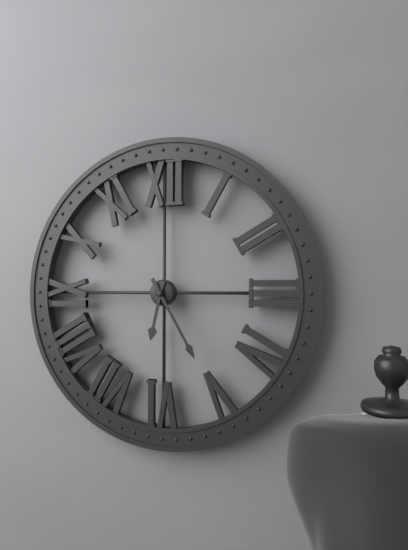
6,25
